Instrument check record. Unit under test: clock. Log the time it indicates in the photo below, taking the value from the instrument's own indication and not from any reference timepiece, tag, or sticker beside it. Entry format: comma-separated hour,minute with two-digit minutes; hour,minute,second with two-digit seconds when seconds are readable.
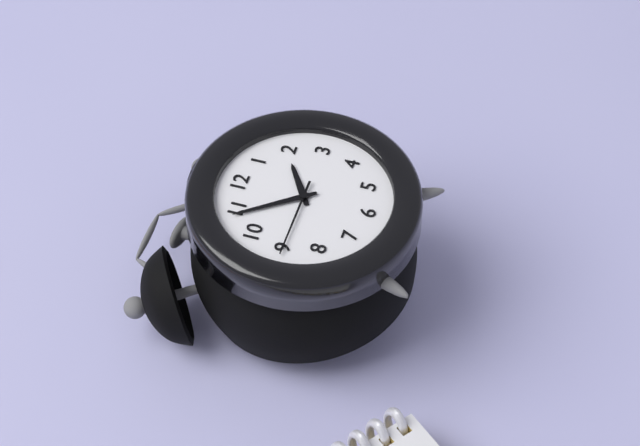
1,54,45
